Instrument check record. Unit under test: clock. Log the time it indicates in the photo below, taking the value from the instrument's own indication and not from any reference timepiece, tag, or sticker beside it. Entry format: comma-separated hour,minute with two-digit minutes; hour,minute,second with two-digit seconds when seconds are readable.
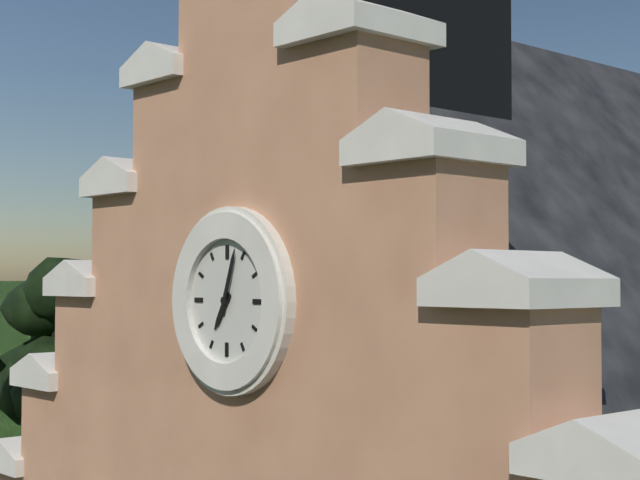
7,03
